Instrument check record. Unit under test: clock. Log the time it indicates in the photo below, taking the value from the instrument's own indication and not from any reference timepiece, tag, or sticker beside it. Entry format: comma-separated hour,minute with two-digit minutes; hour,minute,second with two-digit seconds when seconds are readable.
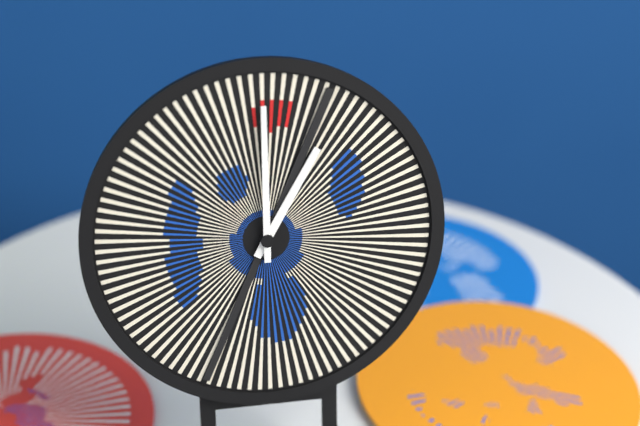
1,00
